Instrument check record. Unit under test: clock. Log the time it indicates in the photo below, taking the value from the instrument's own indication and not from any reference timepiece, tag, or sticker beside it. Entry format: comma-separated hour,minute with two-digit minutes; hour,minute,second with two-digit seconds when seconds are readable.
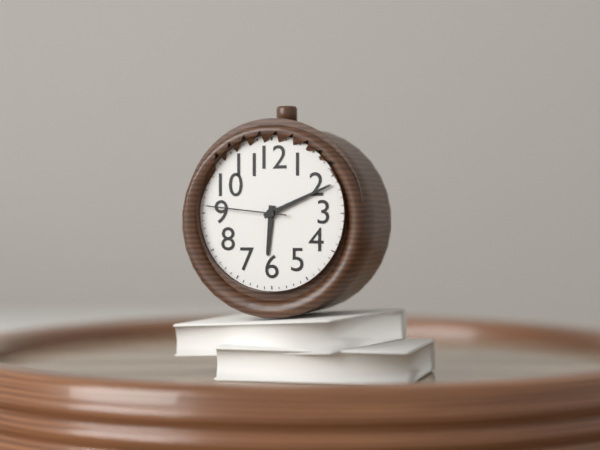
6,11,46
